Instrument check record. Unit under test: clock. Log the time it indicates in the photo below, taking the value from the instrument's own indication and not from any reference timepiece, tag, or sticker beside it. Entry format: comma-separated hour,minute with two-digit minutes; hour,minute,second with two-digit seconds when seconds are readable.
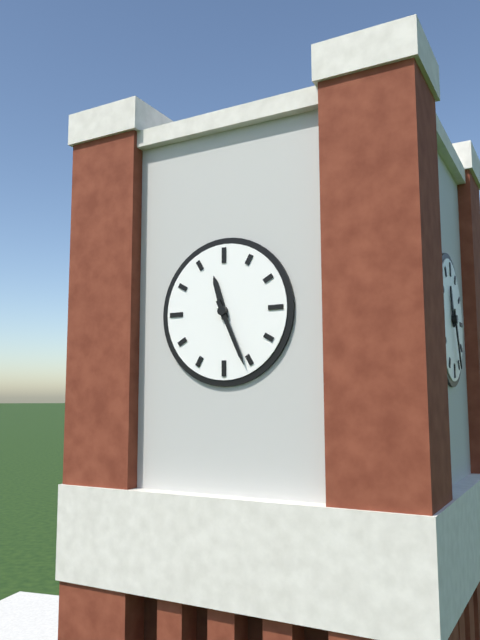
11,26
